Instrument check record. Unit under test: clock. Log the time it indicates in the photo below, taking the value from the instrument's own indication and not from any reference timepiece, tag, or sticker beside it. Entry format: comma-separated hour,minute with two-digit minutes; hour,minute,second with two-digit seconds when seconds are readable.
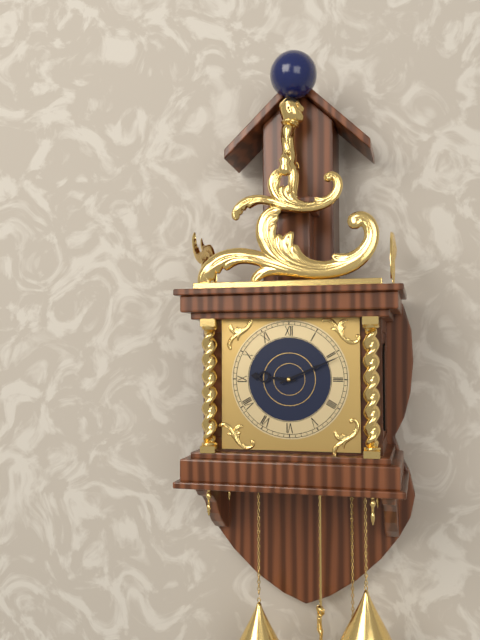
9,11
